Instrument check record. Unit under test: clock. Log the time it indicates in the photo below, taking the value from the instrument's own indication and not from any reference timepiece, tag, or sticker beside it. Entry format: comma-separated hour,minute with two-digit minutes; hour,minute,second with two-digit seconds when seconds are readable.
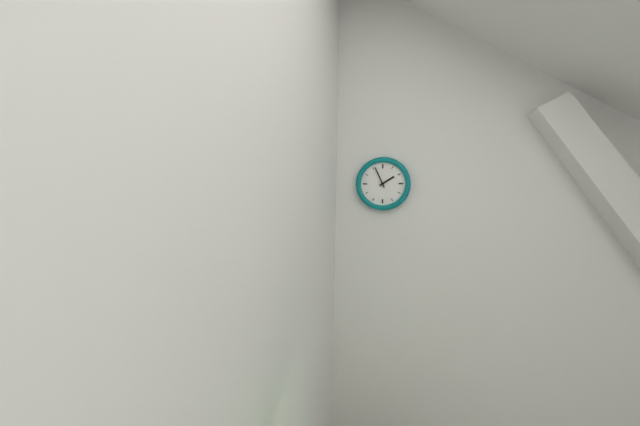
1,56
